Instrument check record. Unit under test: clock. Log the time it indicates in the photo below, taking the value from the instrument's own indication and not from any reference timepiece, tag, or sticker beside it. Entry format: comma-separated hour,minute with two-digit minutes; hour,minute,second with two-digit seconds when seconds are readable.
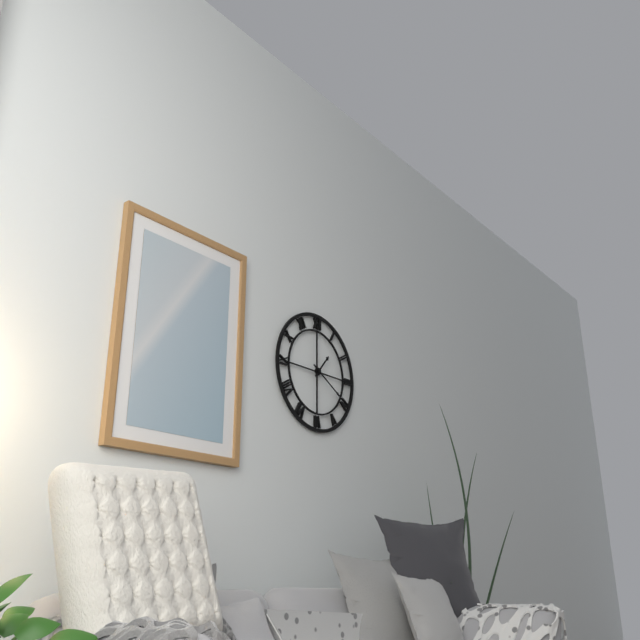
1,20
